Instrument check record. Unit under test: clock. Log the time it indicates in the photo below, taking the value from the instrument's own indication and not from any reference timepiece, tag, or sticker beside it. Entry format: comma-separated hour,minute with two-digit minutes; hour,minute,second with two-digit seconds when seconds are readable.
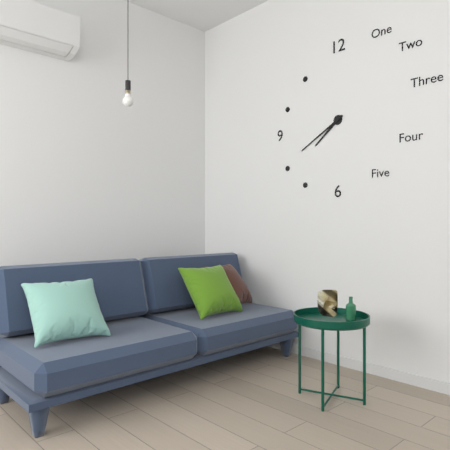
7,40
